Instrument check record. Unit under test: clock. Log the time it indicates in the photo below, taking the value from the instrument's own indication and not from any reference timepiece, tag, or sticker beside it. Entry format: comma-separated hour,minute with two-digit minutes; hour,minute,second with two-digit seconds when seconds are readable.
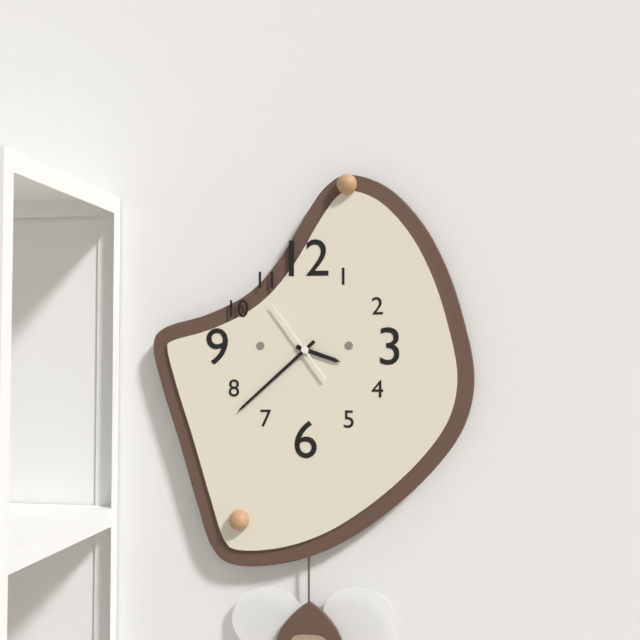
3,38,54
